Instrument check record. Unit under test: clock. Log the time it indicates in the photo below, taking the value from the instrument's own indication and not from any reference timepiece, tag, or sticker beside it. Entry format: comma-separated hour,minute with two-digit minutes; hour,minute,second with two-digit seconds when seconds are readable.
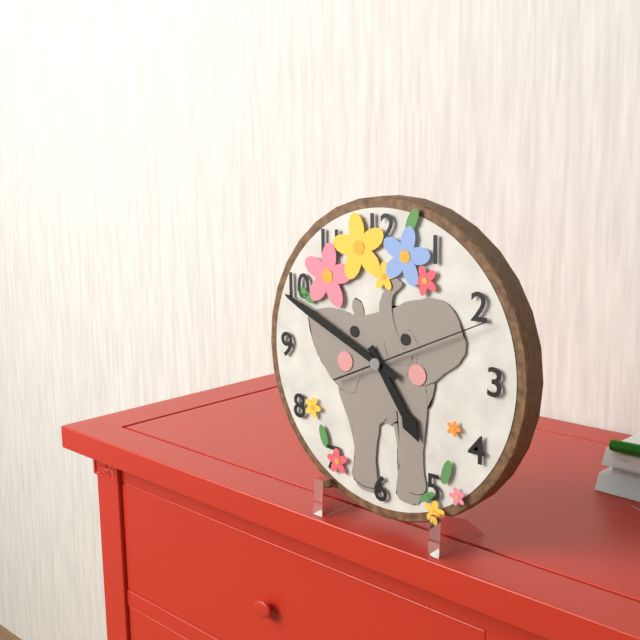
4,49,11
